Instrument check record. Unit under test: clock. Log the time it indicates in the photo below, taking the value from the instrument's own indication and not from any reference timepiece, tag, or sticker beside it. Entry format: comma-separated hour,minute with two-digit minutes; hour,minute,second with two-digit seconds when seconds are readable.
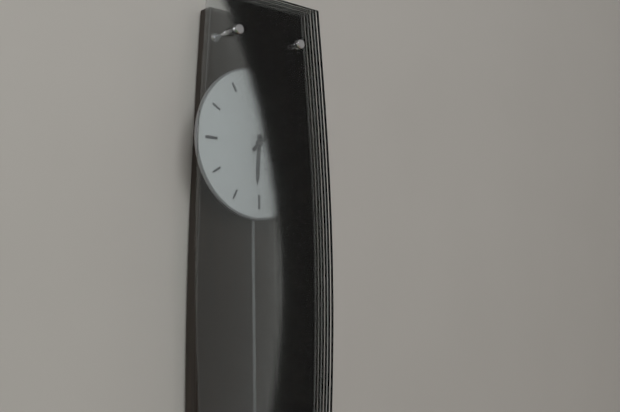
6,08
